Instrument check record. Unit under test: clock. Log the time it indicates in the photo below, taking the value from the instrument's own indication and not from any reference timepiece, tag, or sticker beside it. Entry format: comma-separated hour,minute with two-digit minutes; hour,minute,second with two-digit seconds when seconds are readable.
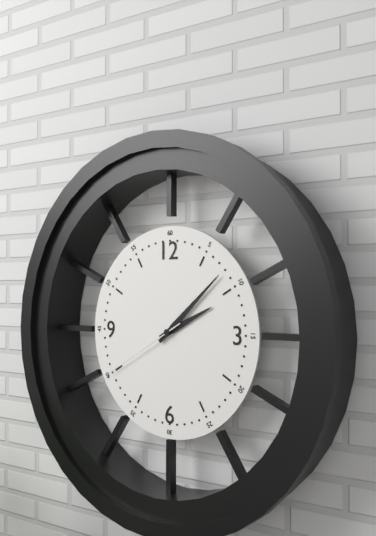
2,08,40
